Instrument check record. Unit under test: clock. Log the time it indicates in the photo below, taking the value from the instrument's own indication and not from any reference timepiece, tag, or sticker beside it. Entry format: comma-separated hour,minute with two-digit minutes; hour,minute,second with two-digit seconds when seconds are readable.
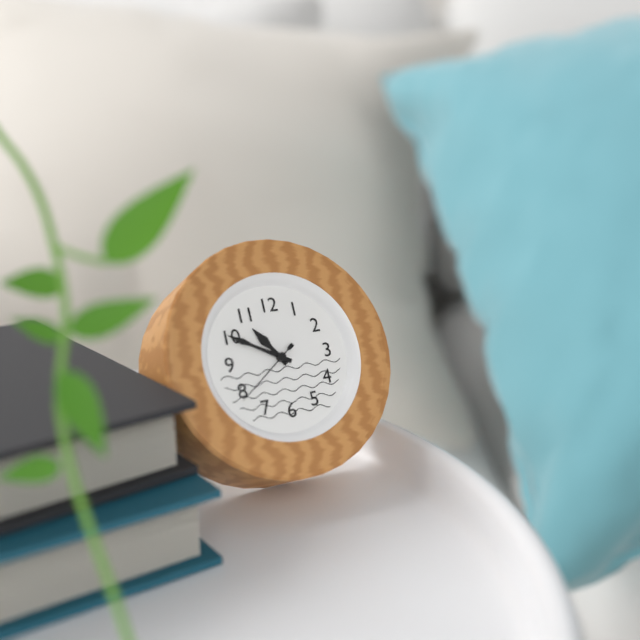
10,50,39
